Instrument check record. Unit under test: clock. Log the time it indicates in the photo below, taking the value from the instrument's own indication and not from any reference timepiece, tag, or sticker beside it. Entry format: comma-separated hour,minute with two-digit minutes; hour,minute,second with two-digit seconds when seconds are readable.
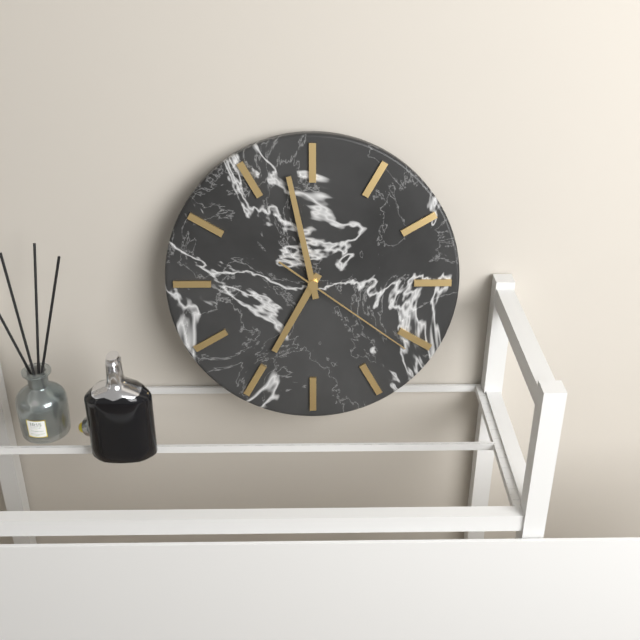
6,58,21
